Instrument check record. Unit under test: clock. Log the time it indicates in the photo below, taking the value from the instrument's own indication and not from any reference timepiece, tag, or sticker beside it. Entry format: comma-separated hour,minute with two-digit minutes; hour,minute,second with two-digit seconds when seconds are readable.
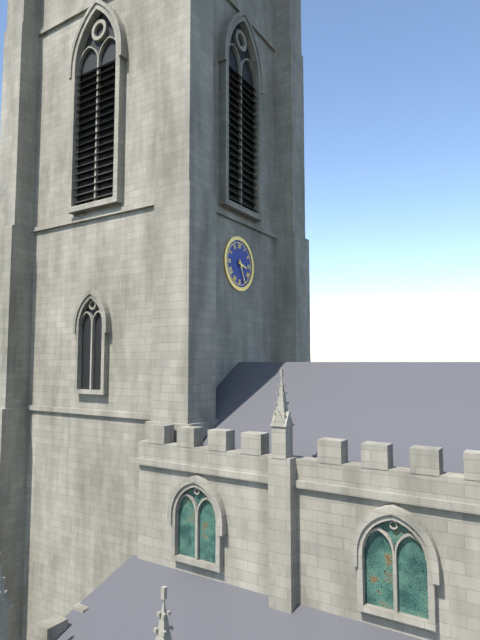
3,26
